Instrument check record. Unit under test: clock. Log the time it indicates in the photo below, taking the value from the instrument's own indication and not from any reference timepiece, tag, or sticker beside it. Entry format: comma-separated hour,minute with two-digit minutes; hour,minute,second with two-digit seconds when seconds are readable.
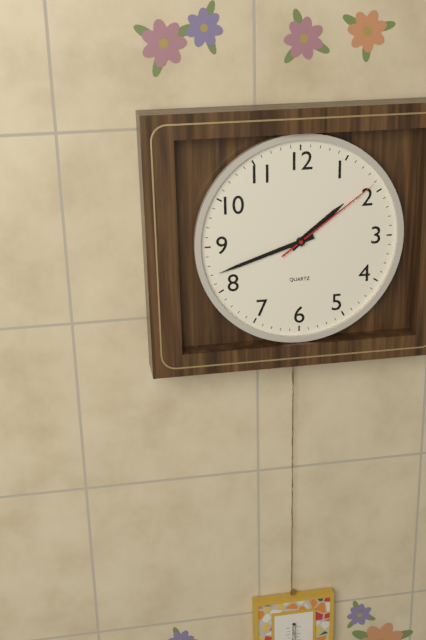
1,42,09
